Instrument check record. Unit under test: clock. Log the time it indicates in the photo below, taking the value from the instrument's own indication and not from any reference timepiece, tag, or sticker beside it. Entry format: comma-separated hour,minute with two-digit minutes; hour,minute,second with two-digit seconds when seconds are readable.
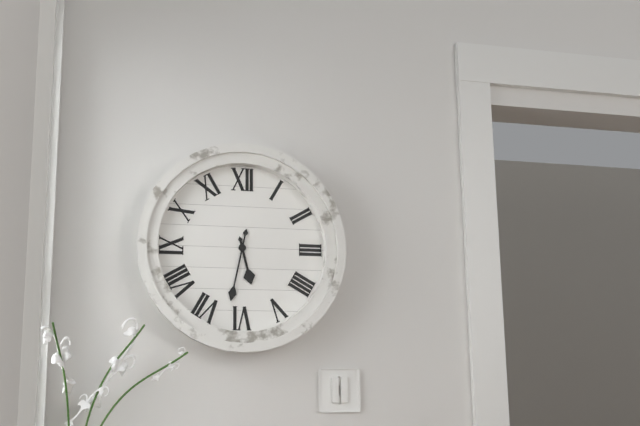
5,32
